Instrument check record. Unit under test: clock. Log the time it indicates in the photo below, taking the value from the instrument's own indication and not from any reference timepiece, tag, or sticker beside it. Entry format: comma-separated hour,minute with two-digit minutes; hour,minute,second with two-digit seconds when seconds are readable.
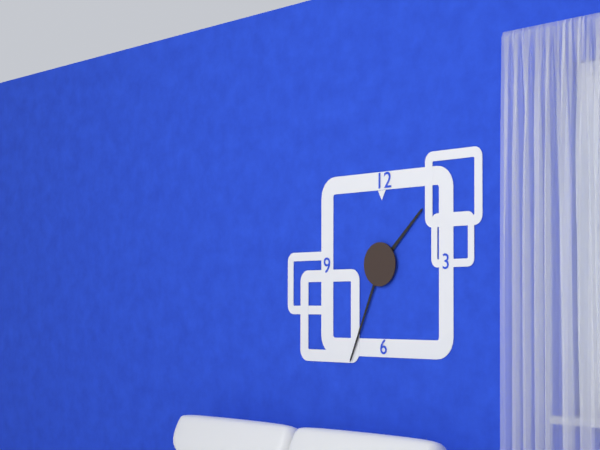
1,34
